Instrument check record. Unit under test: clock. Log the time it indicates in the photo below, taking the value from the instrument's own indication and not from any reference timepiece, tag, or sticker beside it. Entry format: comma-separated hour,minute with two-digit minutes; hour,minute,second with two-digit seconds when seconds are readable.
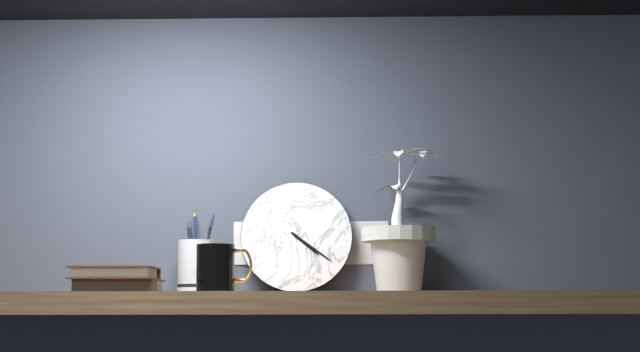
4,21
